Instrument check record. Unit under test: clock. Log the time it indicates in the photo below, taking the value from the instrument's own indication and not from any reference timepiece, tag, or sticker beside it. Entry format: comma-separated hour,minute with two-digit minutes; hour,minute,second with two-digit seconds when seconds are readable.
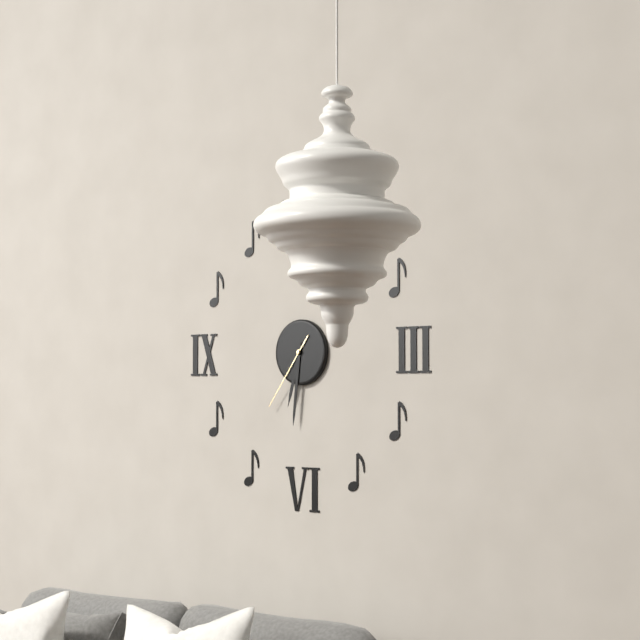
6,31,36
